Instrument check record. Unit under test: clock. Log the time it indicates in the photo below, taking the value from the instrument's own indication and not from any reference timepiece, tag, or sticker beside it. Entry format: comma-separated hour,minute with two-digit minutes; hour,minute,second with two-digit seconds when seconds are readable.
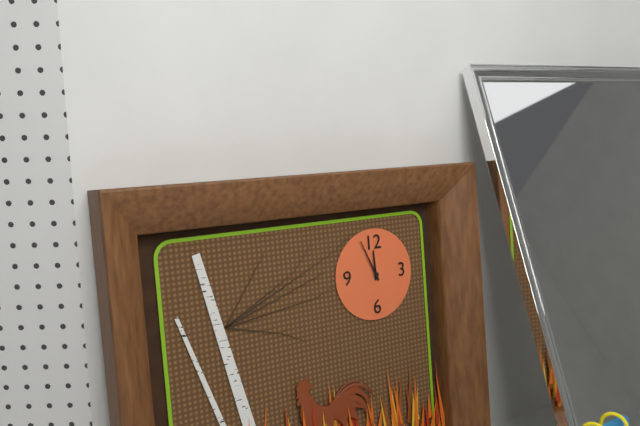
11,56
